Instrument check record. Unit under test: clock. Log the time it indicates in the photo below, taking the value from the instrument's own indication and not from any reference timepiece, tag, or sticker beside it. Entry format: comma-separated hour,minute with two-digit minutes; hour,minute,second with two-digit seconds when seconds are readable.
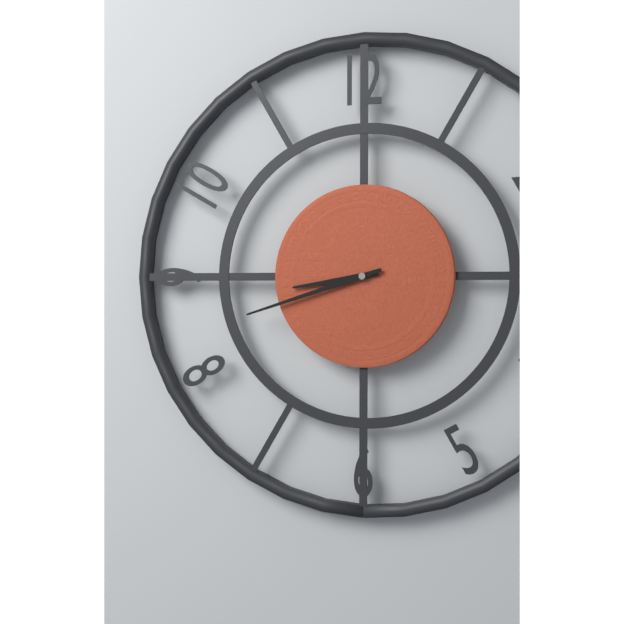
8,42
